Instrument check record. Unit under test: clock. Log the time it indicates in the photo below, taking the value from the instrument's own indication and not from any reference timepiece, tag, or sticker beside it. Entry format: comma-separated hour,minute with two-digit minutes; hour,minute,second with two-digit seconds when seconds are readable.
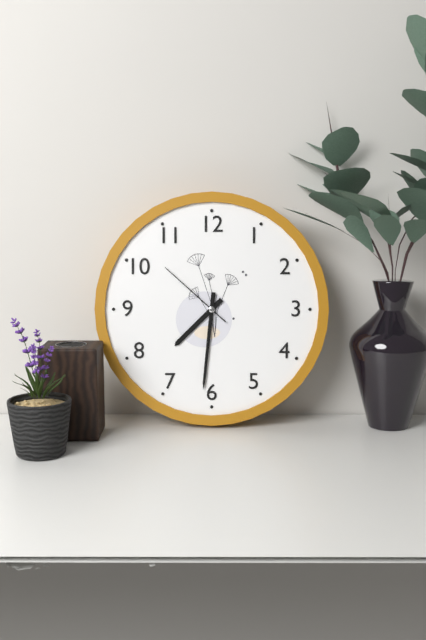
7,31,52
